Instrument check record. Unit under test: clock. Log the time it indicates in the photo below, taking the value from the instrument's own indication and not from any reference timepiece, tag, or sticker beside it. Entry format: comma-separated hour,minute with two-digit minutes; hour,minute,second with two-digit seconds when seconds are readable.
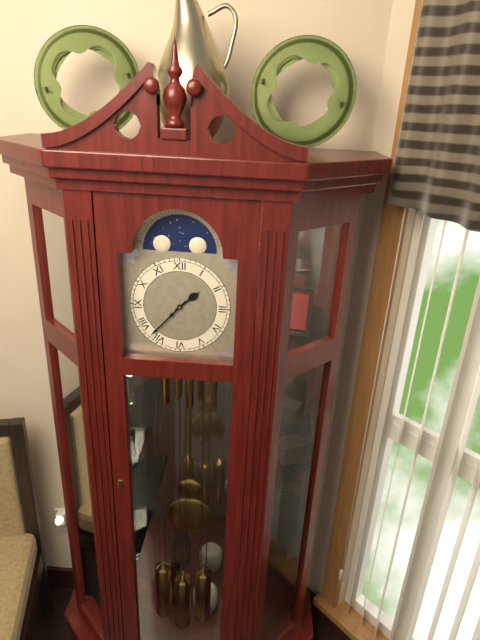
1,37
